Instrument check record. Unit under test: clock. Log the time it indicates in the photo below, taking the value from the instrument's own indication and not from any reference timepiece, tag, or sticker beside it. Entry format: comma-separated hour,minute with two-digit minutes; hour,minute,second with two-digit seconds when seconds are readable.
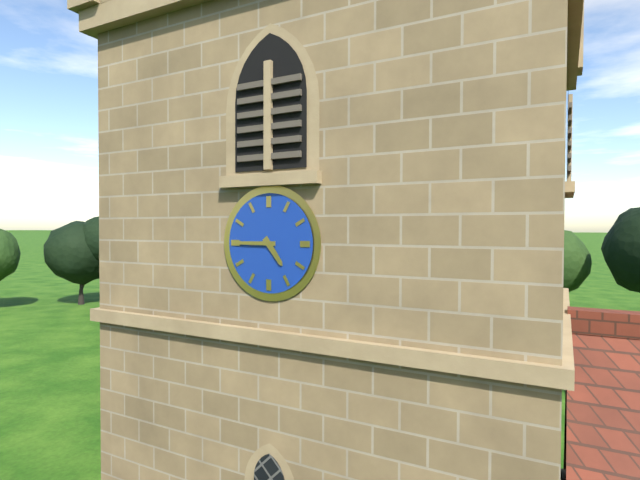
4,45
